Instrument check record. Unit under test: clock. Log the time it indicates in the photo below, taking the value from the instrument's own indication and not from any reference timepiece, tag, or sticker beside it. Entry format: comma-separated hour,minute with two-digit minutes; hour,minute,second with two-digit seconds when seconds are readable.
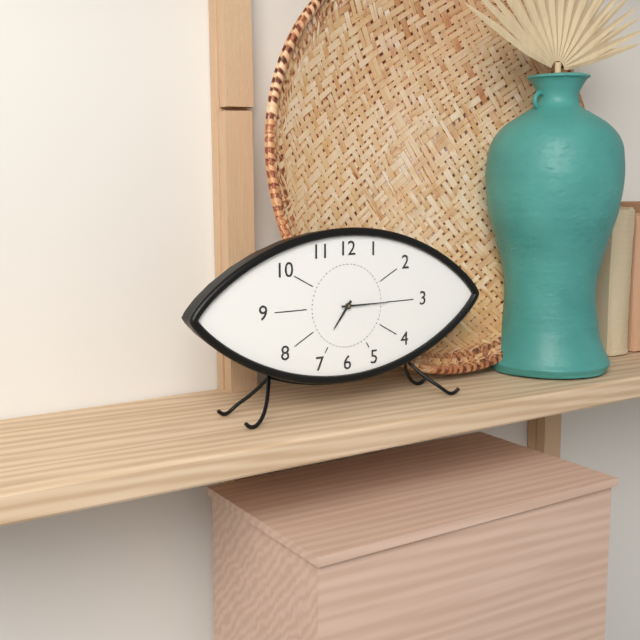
7,15
